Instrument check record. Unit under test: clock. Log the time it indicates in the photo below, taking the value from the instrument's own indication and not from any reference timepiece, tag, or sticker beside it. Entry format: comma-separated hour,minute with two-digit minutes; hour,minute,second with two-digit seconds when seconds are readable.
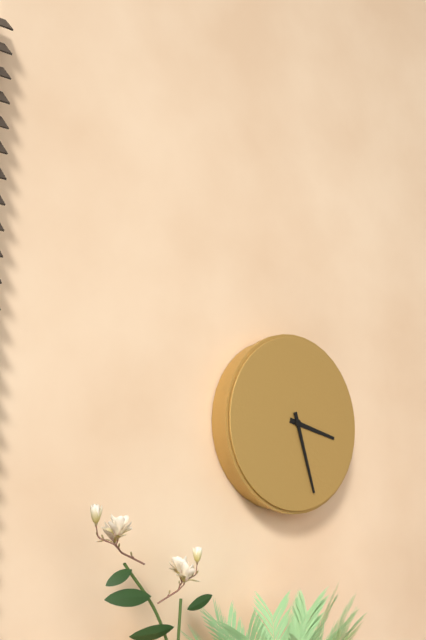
3,27
